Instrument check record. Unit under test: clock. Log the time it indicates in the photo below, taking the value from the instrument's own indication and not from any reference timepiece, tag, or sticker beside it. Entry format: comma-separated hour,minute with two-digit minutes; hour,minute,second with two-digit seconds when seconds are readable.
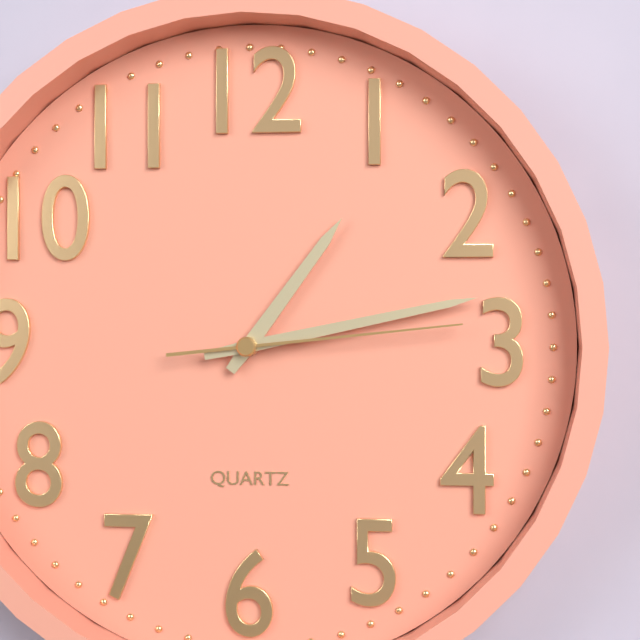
1,13,14
